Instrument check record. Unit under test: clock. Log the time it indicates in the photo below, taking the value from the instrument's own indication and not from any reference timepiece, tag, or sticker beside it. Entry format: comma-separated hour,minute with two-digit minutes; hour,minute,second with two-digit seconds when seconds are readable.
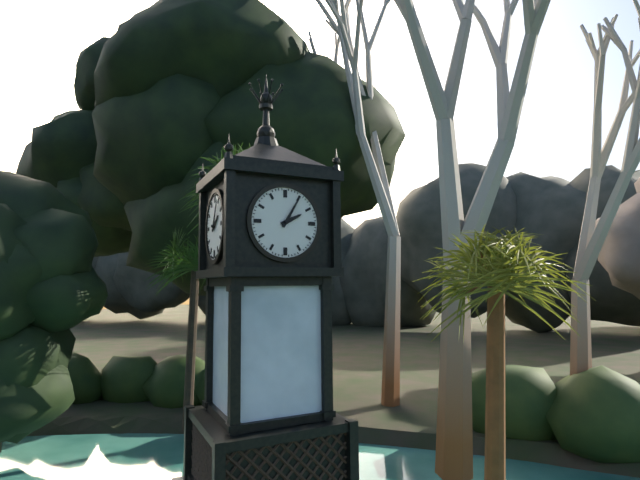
2,05
